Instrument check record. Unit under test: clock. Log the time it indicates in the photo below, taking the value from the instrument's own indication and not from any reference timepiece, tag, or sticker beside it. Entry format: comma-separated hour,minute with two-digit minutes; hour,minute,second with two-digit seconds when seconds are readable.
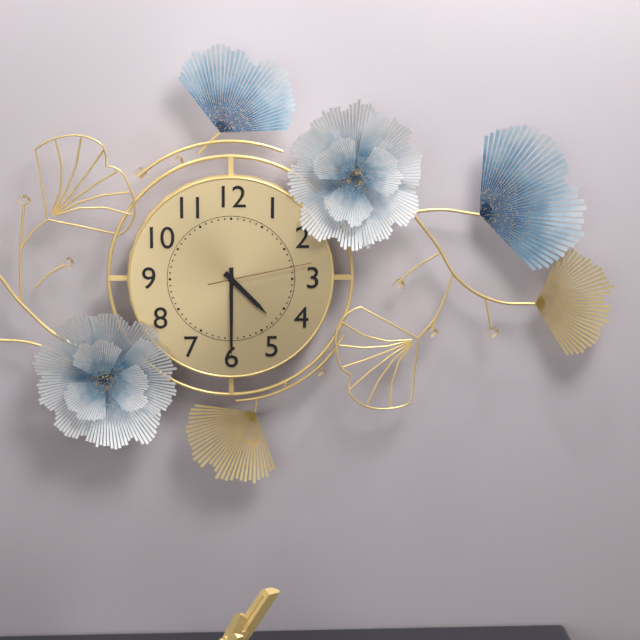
4,30,13
